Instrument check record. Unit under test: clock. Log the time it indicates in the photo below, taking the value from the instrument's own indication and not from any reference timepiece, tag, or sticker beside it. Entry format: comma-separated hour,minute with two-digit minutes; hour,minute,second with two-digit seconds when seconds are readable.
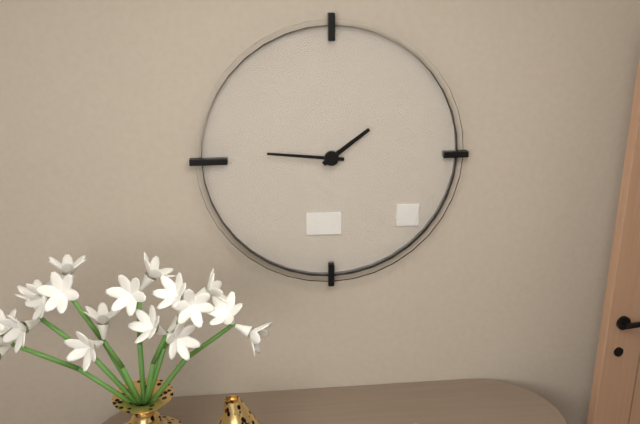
1,46
